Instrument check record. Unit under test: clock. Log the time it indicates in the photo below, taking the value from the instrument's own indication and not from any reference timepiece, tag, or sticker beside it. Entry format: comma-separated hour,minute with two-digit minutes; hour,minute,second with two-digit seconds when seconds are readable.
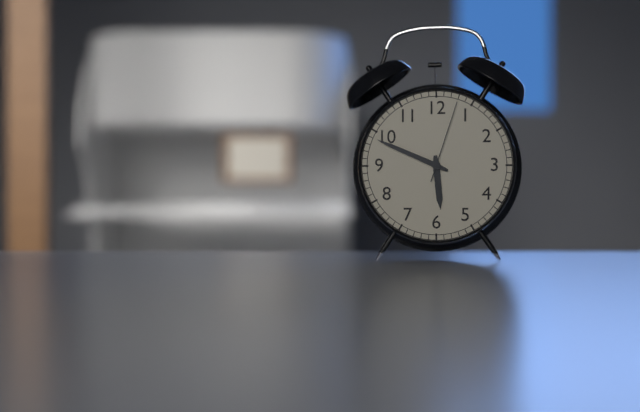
5,49,03
